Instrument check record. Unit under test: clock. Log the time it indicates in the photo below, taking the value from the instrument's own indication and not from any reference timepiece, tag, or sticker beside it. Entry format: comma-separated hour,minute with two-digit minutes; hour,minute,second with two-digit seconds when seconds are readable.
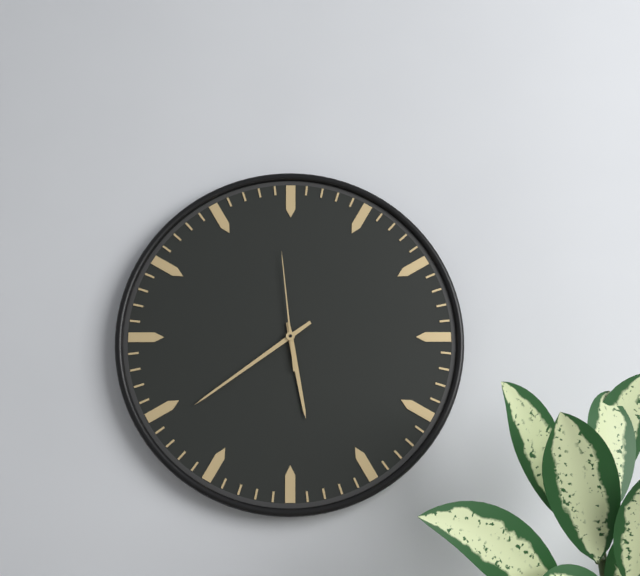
5,39,59
